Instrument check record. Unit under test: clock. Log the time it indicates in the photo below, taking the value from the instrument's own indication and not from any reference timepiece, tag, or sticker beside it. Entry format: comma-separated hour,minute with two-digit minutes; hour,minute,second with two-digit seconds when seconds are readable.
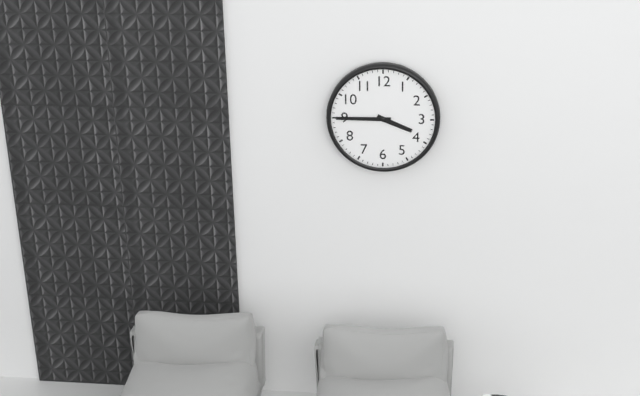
3,45
